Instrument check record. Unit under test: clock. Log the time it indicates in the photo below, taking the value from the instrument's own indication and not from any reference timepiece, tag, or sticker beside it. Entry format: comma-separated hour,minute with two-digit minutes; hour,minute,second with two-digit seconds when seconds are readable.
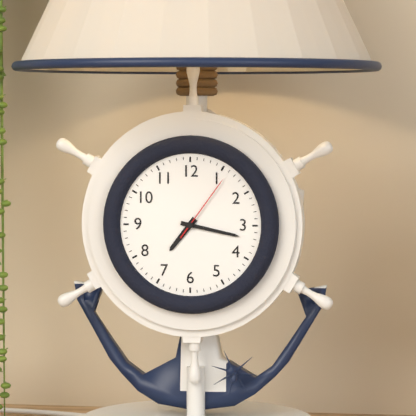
7,17,06
